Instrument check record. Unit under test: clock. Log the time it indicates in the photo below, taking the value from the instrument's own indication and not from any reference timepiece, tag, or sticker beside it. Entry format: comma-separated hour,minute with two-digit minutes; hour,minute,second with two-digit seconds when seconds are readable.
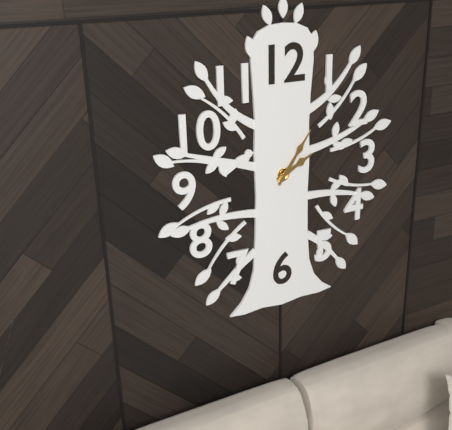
2,06
